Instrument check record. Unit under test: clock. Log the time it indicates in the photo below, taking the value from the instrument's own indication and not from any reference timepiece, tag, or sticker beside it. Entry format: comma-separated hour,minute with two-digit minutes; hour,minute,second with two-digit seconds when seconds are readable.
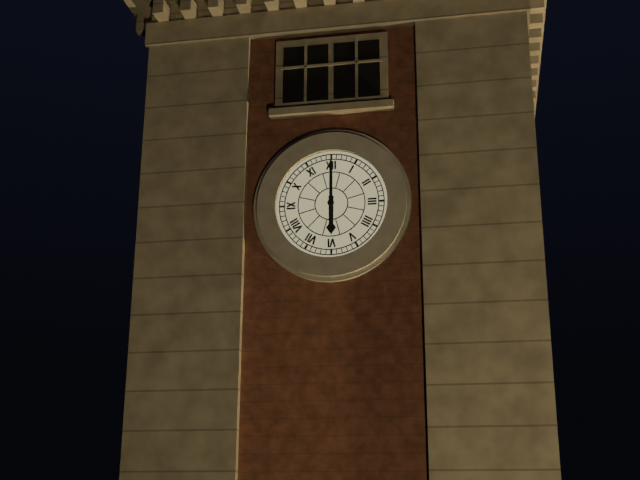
6,00
